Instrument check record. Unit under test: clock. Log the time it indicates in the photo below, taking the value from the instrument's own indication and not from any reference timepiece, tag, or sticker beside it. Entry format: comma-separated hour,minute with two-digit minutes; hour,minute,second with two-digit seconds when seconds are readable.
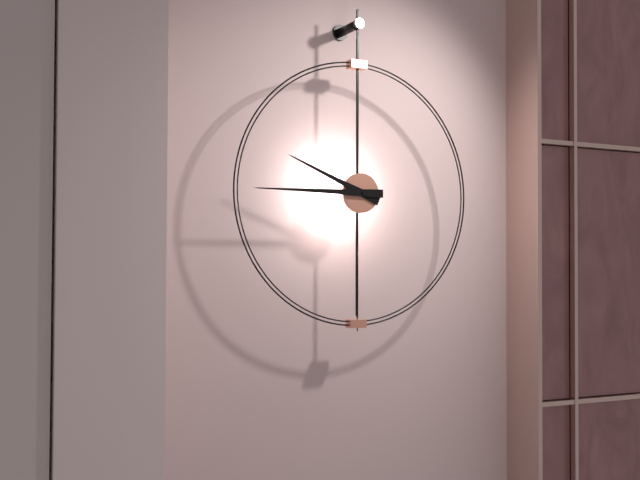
9,45
